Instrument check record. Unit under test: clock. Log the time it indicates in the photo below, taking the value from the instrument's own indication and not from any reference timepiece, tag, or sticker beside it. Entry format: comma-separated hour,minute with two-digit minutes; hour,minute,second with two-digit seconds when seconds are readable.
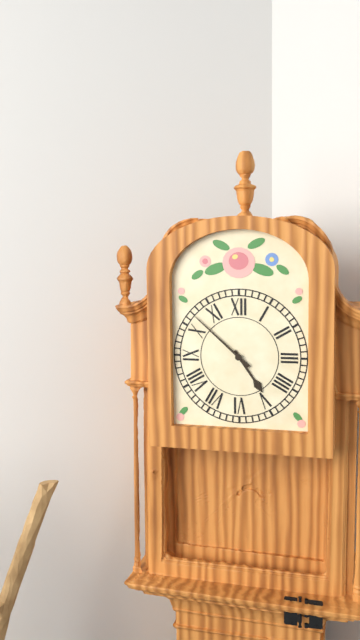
4,52
